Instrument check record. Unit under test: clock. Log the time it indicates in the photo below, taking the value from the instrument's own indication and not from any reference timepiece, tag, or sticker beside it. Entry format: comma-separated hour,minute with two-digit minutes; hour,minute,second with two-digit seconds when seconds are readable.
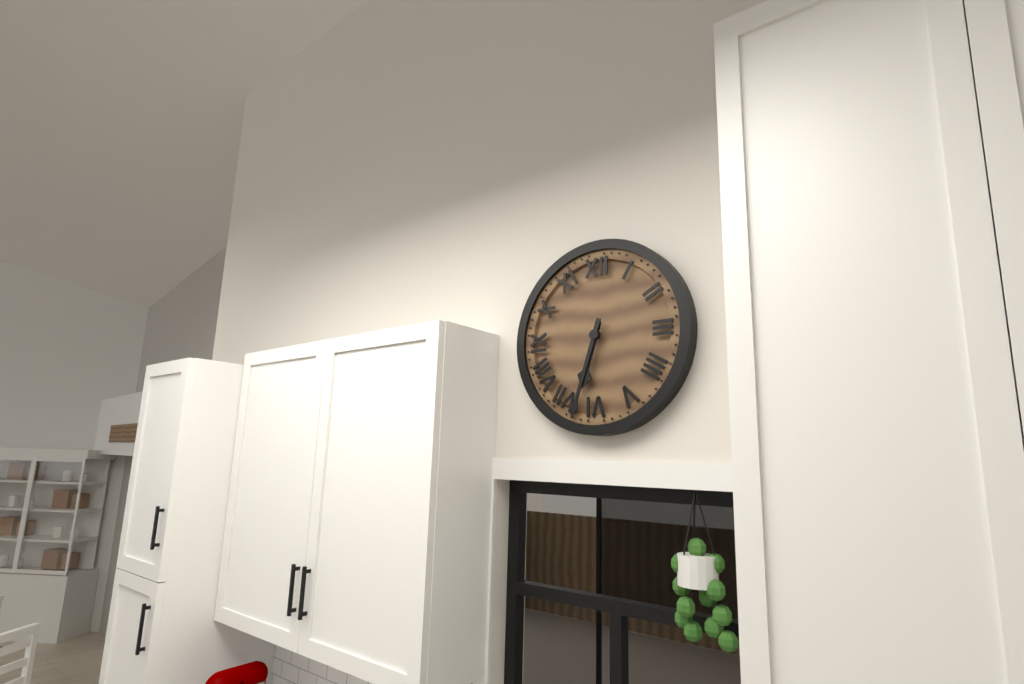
6,33
